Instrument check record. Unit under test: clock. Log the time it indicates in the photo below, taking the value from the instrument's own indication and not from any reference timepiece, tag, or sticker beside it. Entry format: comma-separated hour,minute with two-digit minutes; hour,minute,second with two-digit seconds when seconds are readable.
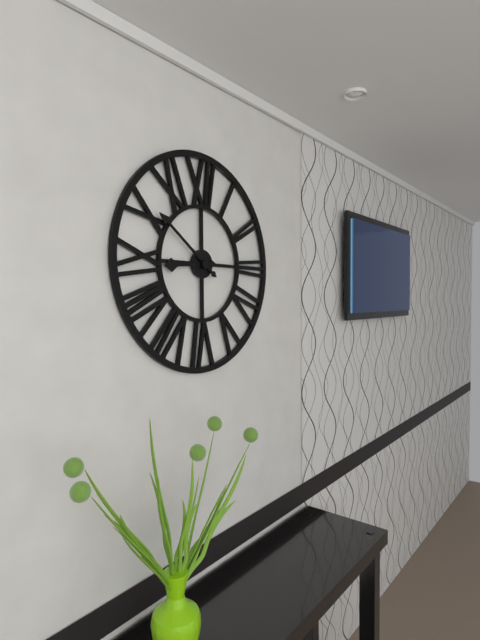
8,51
